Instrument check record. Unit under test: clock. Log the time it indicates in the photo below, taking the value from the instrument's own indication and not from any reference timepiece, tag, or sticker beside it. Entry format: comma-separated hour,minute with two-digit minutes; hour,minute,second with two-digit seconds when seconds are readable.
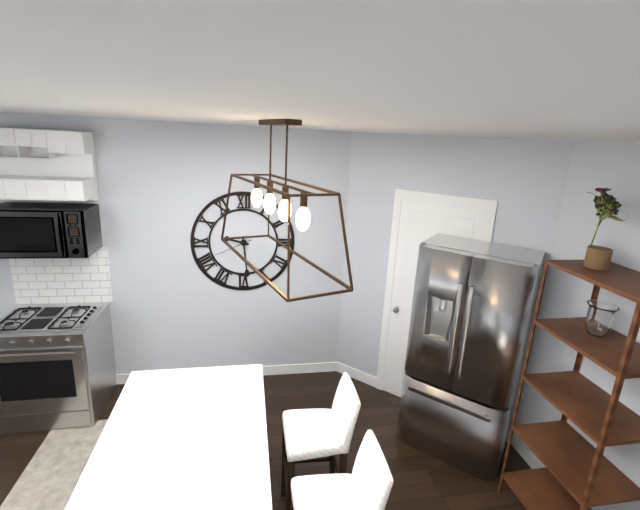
9,29
